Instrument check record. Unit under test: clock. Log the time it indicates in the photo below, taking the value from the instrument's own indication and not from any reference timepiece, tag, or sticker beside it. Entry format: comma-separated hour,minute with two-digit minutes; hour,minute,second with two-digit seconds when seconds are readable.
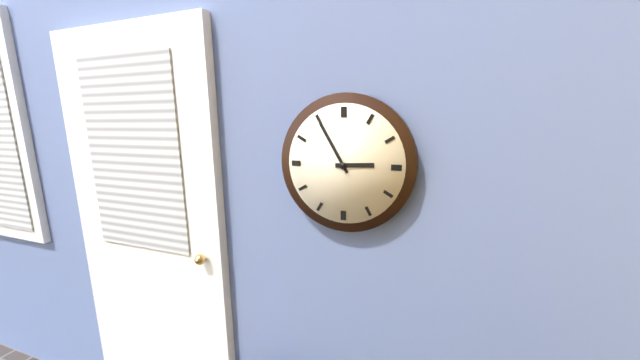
2,55
